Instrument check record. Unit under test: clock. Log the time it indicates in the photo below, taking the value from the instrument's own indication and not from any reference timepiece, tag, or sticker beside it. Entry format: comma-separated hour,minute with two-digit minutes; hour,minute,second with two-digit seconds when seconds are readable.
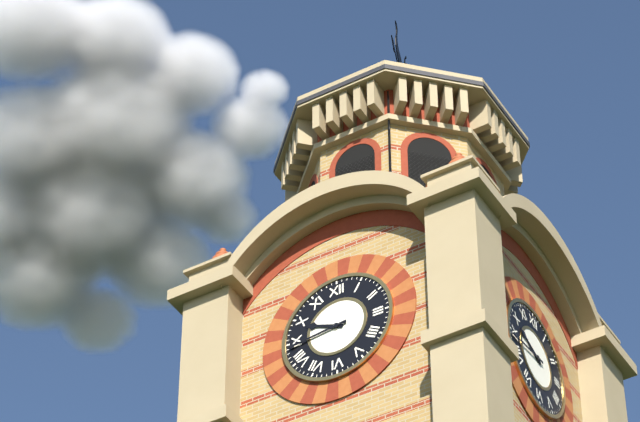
9,44
